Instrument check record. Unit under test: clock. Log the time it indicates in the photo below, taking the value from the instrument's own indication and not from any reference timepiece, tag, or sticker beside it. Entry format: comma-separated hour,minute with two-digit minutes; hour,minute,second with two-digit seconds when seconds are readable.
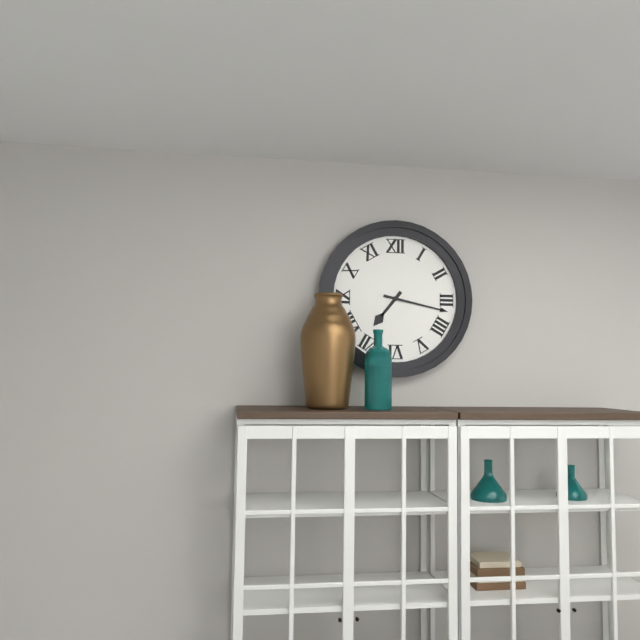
7,17
